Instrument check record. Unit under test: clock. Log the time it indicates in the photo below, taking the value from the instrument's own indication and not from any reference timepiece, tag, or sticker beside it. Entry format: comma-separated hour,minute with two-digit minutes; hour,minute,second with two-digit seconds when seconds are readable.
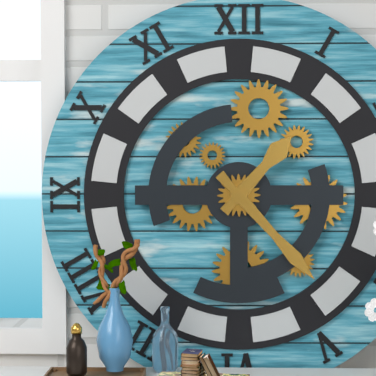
1,23
